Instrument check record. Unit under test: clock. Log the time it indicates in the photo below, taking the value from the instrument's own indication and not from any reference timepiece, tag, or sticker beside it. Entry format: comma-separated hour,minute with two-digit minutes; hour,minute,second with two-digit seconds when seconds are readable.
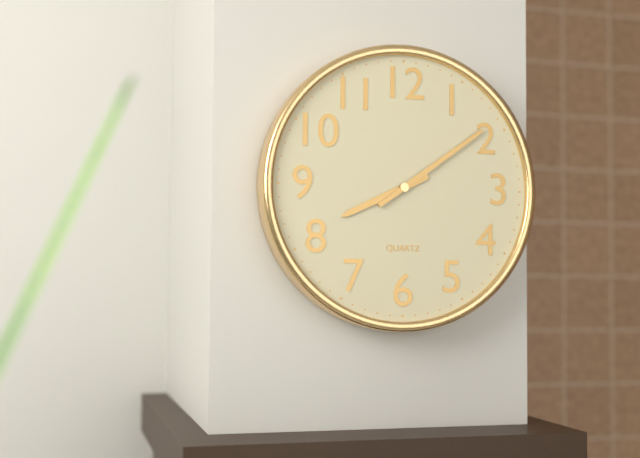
8,09
